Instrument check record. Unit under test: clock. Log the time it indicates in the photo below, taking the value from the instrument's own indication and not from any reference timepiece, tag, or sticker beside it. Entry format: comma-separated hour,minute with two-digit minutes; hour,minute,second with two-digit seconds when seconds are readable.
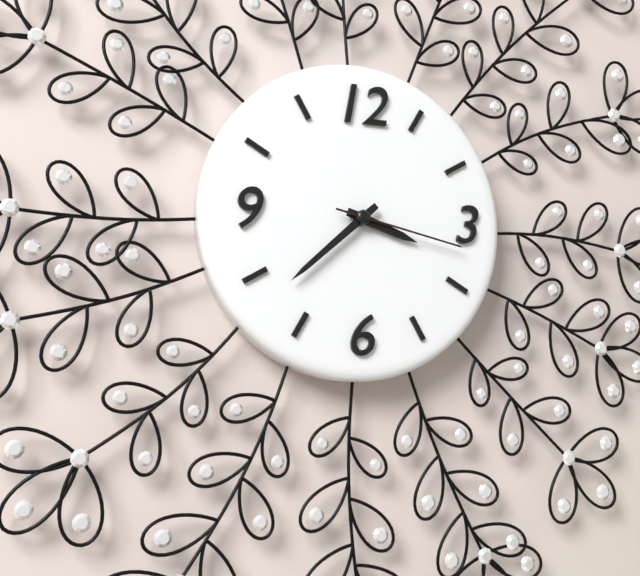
3,38,17
